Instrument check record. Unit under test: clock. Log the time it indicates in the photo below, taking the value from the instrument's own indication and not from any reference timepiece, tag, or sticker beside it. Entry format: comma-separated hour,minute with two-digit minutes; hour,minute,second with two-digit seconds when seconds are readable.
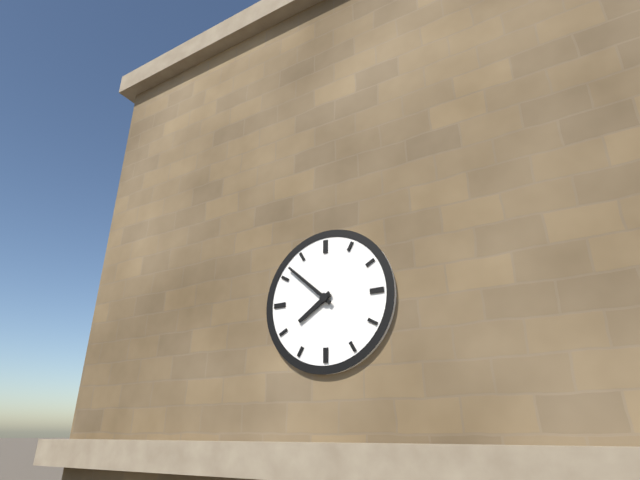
7,52
